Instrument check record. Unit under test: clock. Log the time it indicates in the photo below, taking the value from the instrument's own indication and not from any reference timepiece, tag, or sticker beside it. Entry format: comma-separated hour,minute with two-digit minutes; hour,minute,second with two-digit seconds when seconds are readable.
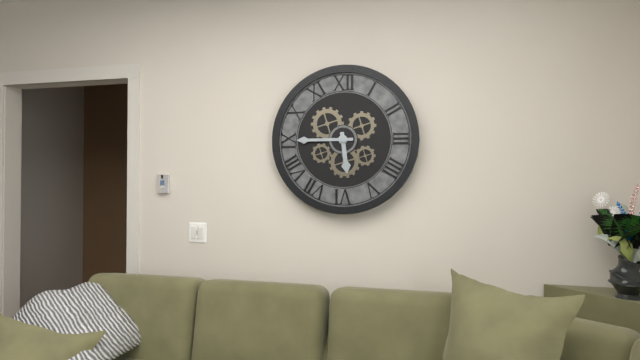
5,45
